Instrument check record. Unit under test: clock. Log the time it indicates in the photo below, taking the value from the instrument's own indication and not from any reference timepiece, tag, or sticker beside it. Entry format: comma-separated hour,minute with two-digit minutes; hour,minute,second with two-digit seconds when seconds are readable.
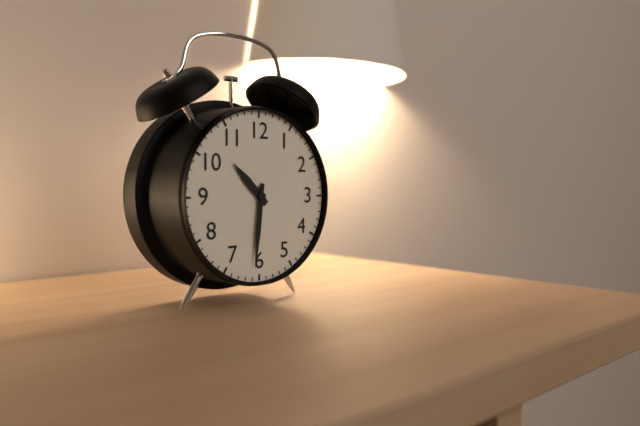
10,31
